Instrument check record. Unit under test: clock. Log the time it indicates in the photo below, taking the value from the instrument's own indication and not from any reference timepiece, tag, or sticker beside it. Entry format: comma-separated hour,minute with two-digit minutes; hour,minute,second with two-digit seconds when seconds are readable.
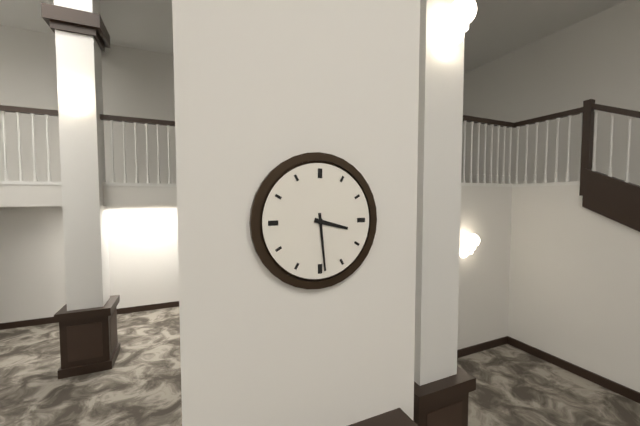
3,29
